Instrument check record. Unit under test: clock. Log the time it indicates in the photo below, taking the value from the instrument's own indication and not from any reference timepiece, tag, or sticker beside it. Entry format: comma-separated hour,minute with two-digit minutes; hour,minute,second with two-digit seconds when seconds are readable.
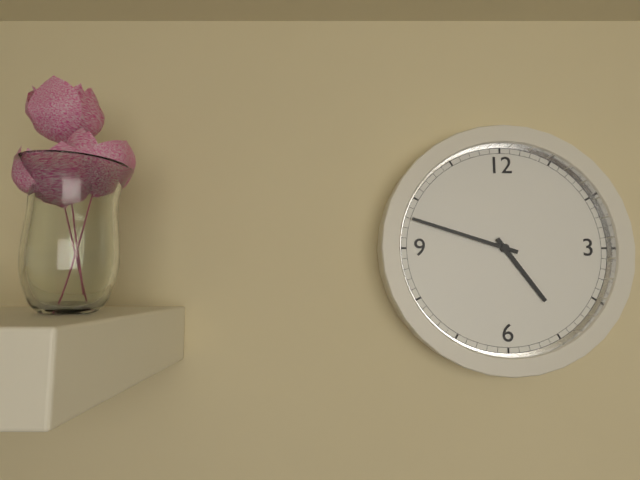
4,48
